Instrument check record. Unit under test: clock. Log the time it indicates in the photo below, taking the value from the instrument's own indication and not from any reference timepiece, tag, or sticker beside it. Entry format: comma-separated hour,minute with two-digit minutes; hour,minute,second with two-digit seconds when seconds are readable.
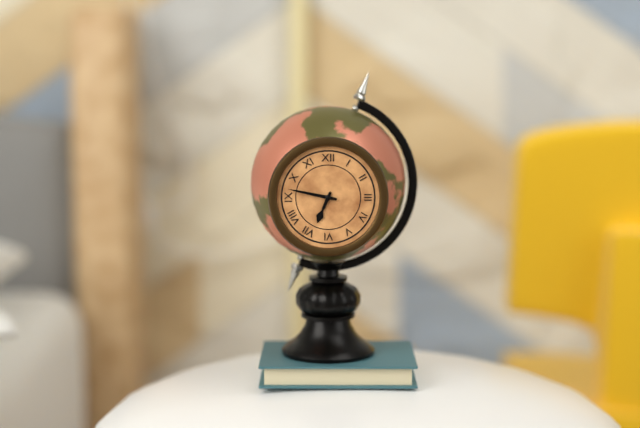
6,47
